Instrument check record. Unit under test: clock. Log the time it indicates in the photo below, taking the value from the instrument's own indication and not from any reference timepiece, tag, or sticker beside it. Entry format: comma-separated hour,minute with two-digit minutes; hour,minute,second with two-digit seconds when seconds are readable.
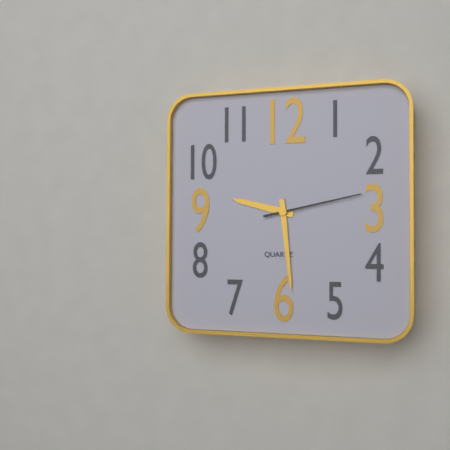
9,29,13
